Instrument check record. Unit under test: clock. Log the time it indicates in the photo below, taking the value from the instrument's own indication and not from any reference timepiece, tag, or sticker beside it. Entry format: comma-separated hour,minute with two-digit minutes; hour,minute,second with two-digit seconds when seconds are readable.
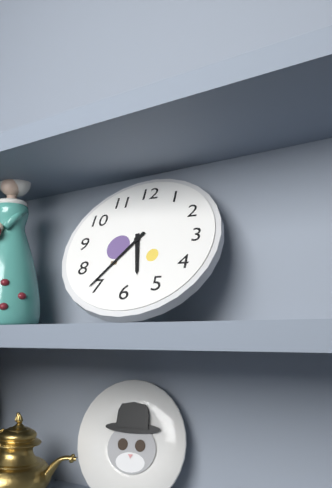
5,36
